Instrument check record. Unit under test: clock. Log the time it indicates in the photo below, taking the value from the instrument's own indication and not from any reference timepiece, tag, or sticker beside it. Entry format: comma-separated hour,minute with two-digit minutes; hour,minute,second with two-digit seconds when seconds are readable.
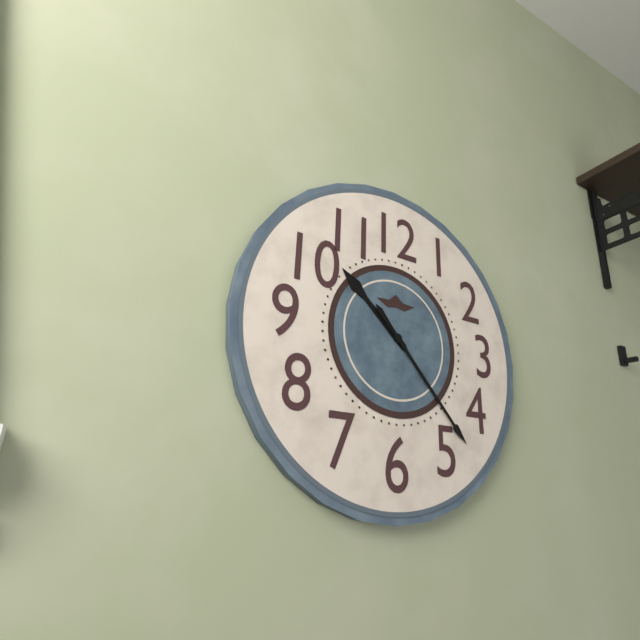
10,23
